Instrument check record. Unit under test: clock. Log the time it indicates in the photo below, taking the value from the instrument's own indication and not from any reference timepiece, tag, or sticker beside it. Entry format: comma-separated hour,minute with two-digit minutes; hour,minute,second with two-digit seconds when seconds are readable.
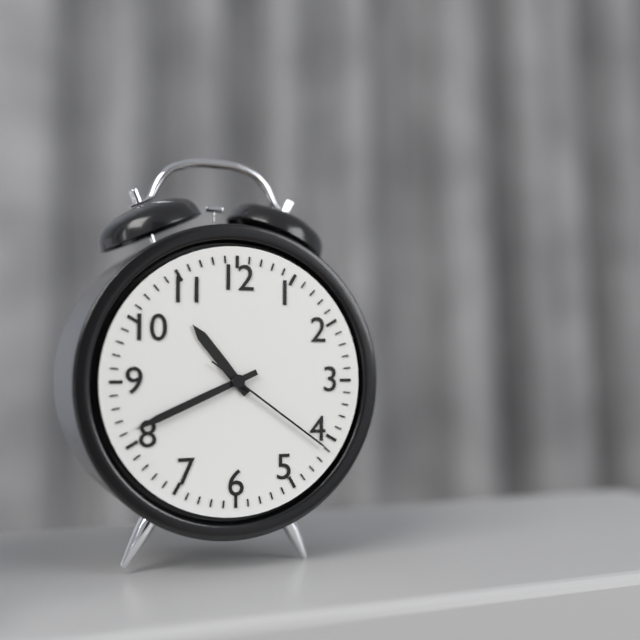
10,41,21
